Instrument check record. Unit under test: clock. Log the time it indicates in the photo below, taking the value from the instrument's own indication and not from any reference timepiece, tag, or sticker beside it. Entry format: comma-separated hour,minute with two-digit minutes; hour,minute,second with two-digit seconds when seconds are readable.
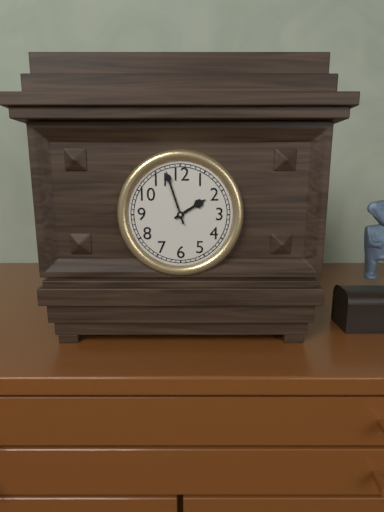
1,57
